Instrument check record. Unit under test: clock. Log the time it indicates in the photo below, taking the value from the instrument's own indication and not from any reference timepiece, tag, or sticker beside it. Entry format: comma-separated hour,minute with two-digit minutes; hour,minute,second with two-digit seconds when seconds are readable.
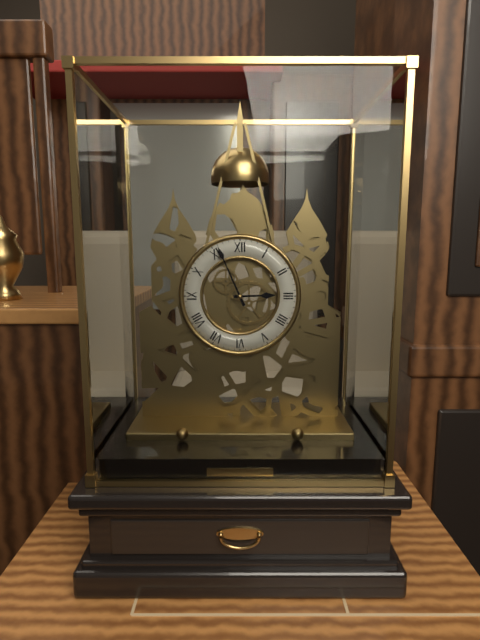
2,56
